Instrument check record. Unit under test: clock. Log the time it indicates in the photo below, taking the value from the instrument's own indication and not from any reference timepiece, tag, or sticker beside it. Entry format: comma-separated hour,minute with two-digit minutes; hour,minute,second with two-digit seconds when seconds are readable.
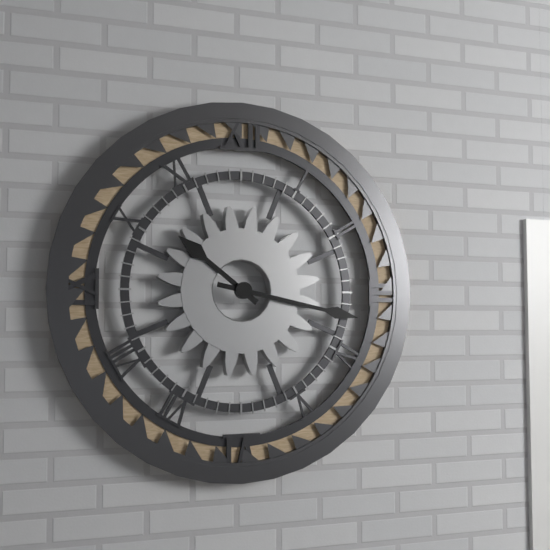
10,17
